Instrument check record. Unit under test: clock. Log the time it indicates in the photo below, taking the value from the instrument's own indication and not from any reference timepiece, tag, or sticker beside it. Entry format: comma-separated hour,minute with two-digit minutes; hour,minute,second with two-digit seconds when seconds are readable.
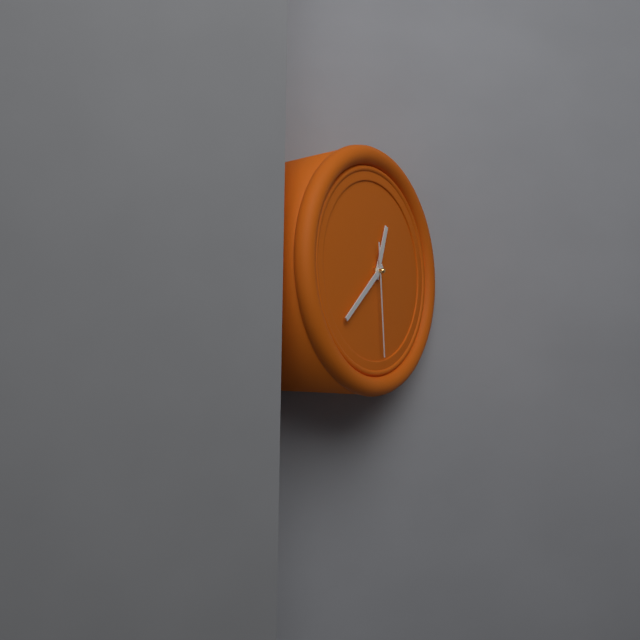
12,38,29
